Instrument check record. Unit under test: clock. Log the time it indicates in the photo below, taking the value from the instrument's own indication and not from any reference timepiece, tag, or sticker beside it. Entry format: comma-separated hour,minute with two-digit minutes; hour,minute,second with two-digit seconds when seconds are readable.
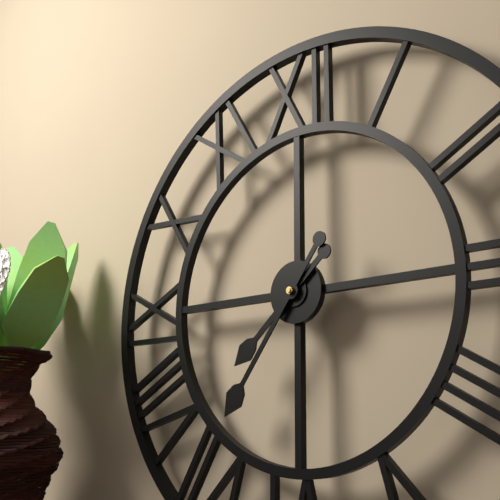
7,36
